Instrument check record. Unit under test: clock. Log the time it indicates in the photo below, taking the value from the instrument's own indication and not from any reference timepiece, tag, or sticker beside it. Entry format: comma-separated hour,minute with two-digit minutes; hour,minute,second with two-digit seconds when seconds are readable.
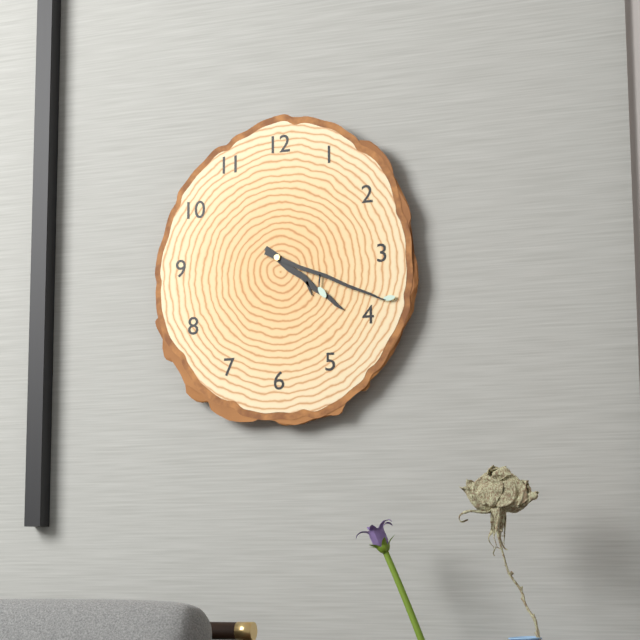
4,19
